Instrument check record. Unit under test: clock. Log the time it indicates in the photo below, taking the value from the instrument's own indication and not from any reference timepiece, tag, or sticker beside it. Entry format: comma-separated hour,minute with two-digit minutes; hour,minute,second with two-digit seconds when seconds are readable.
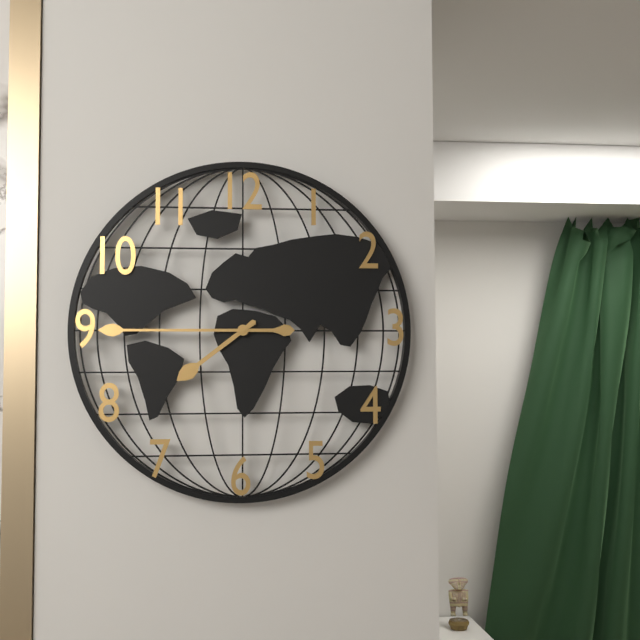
7,45
